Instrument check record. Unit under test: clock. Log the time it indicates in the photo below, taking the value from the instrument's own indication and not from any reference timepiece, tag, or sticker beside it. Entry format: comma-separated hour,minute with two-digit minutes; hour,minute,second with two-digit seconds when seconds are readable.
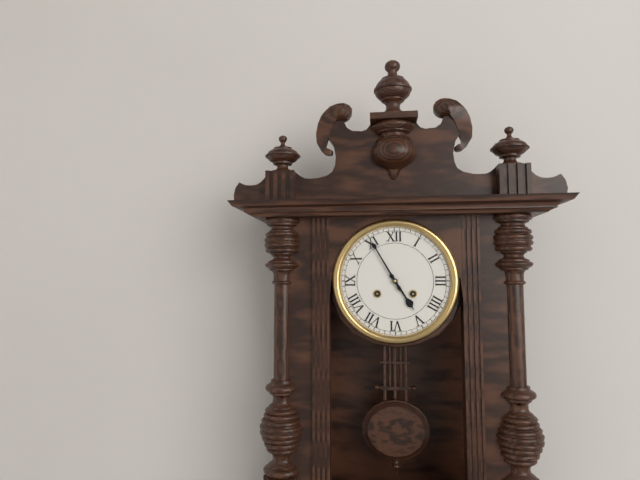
4,55
